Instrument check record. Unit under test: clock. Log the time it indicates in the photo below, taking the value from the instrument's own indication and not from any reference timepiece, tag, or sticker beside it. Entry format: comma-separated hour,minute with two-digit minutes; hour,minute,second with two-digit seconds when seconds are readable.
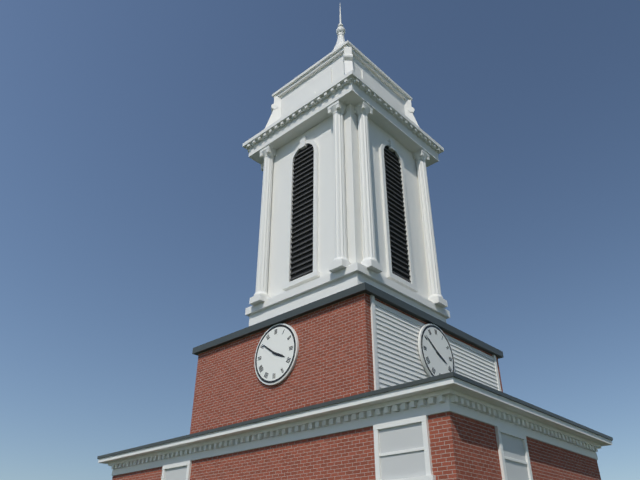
3,51
